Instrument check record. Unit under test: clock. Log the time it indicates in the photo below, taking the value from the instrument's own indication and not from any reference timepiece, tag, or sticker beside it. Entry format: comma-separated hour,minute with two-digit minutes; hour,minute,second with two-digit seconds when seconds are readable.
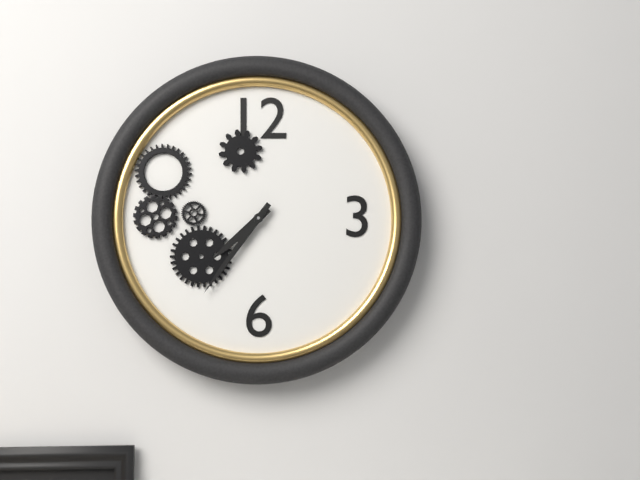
7,36
